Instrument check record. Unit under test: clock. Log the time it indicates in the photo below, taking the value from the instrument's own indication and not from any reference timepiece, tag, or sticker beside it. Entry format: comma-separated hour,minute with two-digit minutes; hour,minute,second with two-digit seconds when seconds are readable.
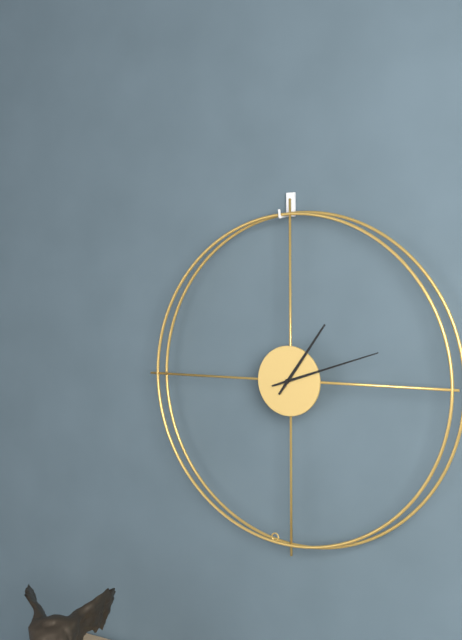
1,12
